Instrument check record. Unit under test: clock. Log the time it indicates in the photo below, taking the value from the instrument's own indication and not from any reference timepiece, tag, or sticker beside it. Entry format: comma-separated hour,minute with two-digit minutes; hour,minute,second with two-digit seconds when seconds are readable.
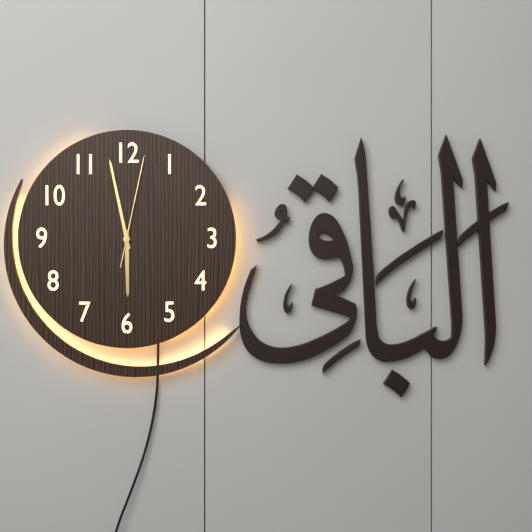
5,58,02
